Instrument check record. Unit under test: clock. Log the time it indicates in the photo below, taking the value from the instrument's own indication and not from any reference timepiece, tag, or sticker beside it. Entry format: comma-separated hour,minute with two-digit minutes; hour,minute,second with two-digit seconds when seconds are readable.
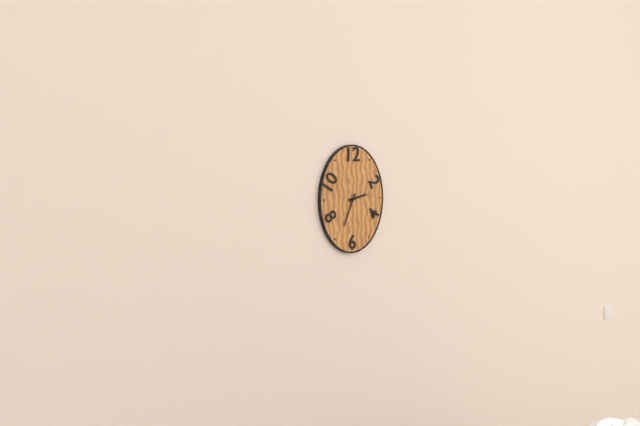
2,34
